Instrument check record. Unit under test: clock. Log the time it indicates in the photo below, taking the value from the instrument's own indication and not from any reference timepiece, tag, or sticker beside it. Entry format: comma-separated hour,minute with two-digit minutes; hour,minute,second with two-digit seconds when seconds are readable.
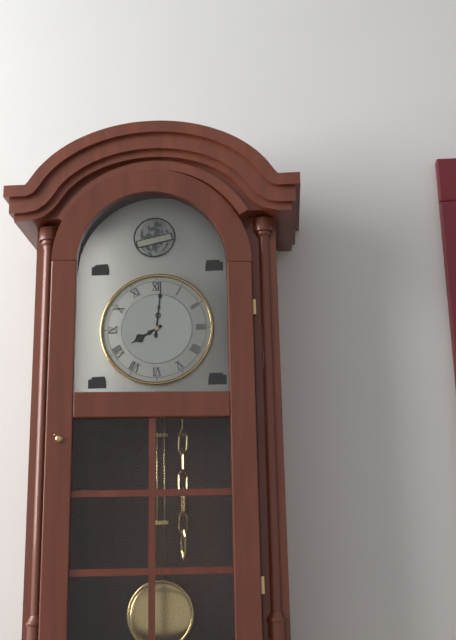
8,01
